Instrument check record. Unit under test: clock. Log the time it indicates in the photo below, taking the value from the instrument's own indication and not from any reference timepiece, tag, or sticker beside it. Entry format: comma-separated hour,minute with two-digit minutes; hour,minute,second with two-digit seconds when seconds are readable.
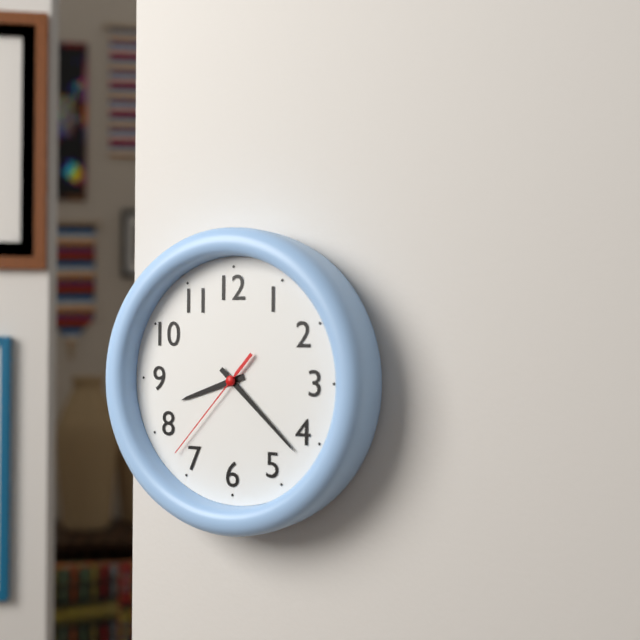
8,22,37
